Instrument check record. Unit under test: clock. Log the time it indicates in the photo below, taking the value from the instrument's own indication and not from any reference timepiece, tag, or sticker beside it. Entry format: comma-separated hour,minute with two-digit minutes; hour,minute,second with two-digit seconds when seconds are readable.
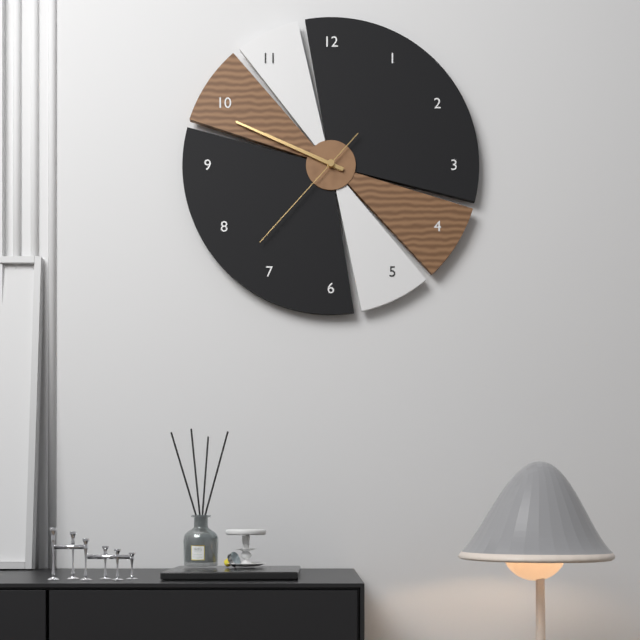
9,49,37
